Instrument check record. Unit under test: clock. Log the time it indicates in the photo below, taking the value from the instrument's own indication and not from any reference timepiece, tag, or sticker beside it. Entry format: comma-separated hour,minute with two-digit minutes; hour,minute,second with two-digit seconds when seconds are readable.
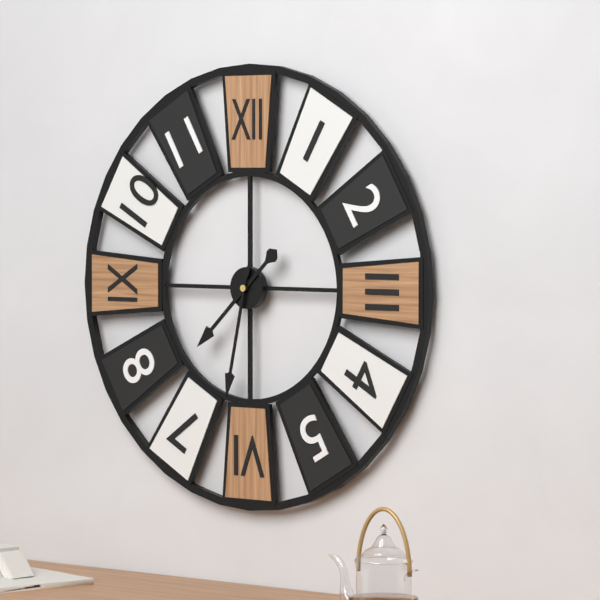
7,32
